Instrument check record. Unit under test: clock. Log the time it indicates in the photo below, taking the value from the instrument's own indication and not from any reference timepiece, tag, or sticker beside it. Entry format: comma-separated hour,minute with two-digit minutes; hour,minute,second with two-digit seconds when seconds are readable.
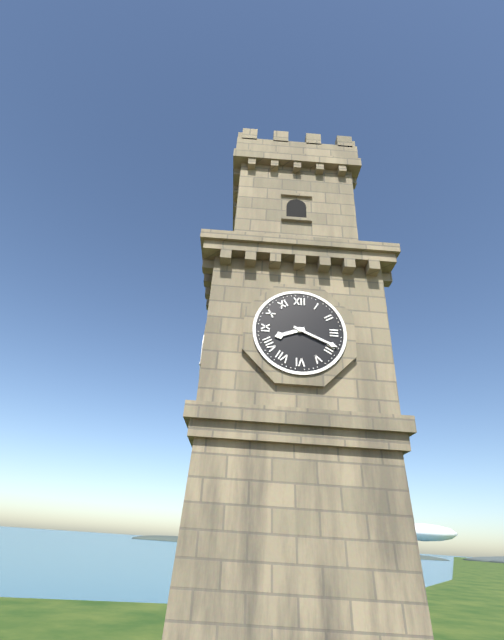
8,19
